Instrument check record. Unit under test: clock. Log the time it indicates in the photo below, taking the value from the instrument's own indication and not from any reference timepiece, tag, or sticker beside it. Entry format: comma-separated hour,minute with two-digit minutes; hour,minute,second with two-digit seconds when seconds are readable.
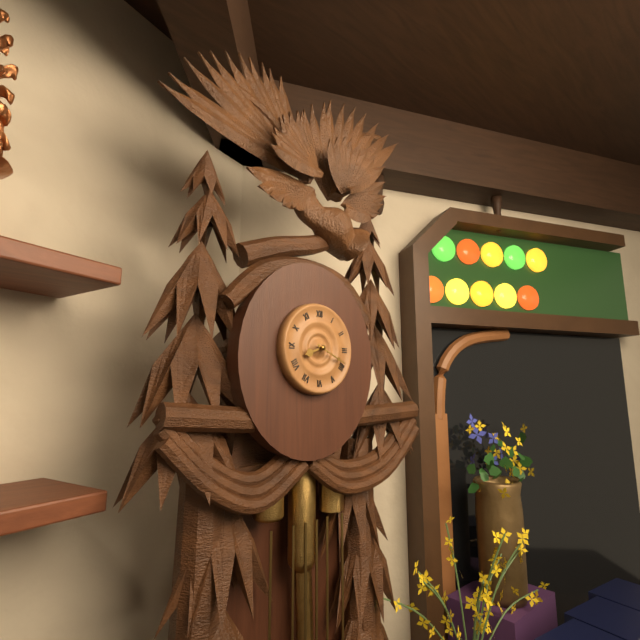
8,19
